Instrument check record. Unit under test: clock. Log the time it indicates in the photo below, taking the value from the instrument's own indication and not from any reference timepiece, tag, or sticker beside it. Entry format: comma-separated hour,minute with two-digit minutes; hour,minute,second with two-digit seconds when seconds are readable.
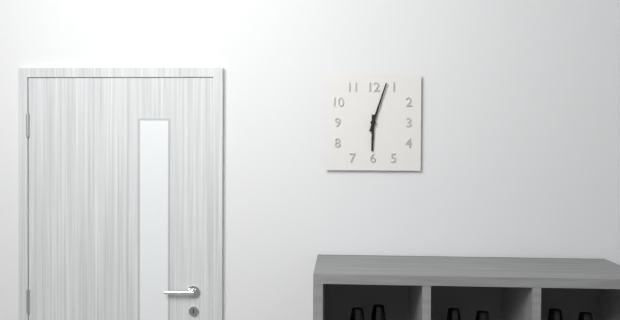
6,03
